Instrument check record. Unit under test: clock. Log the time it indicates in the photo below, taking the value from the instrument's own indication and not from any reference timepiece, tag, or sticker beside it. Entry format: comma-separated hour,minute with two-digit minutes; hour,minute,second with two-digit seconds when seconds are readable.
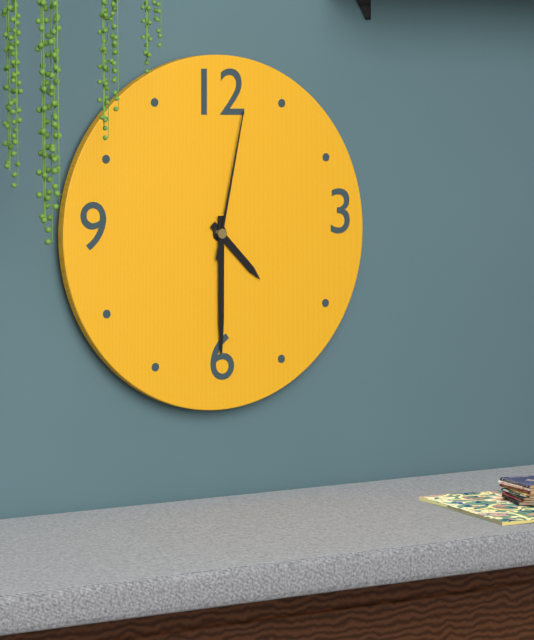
4,30,02
